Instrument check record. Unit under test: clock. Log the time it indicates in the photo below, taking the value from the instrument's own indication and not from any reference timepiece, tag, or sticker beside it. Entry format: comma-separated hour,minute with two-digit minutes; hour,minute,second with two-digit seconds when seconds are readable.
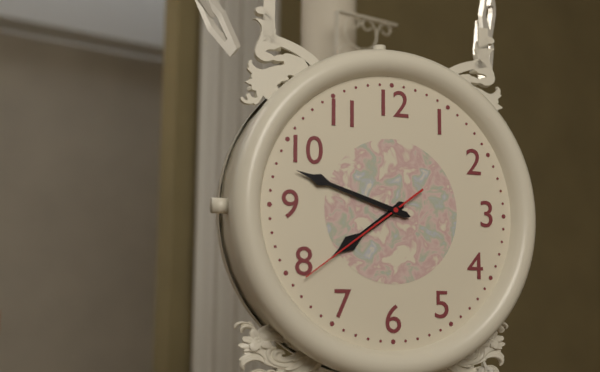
7,48,39
